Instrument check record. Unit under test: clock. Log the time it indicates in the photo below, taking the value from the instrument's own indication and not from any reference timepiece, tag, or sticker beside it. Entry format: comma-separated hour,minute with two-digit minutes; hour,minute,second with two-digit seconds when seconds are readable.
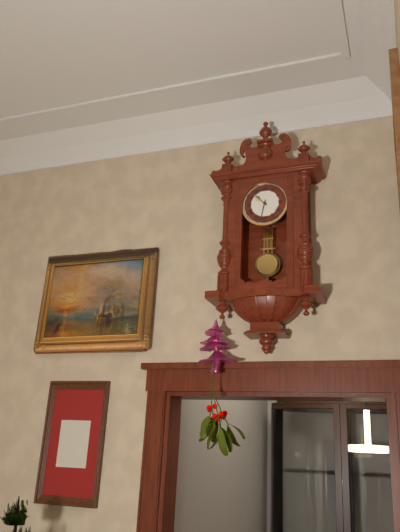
10,32
